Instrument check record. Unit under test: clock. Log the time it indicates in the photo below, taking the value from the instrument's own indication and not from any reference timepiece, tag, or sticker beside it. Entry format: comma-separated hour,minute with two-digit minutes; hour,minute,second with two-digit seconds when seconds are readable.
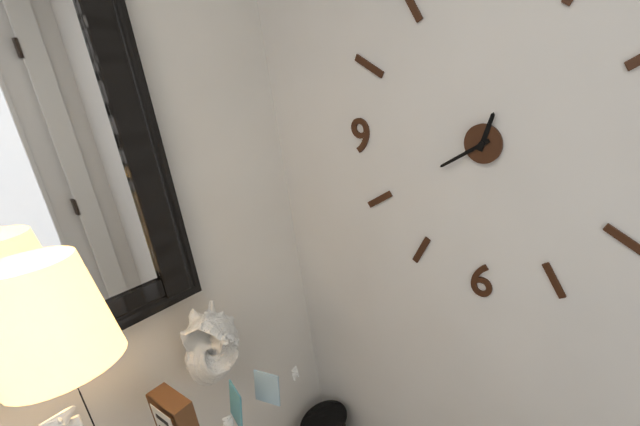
12,40
